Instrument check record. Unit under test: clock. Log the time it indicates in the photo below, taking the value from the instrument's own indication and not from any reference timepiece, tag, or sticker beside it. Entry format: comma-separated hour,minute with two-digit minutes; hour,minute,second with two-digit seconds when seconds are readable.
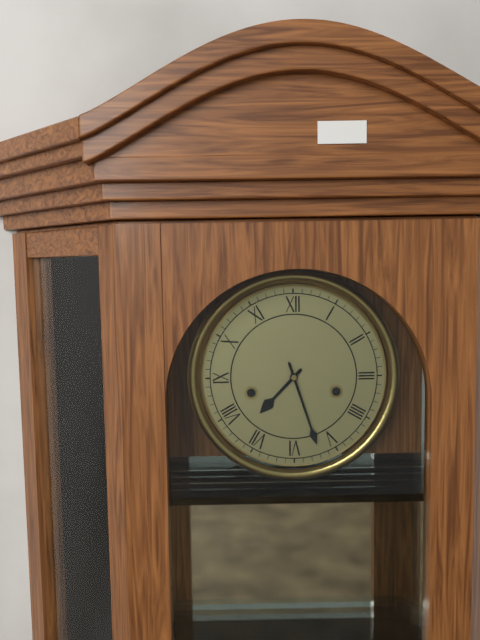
7,27
